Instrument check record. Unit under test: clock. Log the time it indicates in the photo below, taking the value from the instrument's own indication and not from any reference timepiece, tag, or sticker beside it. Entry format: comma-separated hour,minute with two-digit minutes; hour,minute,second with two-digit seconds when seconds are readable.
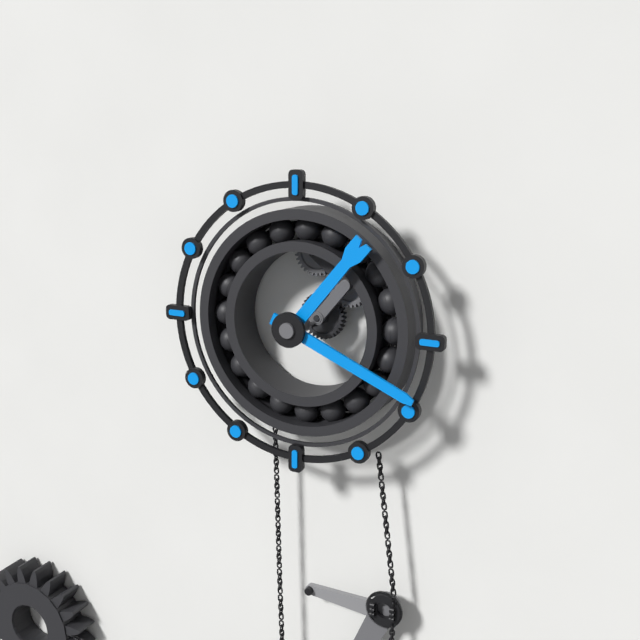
1,19
